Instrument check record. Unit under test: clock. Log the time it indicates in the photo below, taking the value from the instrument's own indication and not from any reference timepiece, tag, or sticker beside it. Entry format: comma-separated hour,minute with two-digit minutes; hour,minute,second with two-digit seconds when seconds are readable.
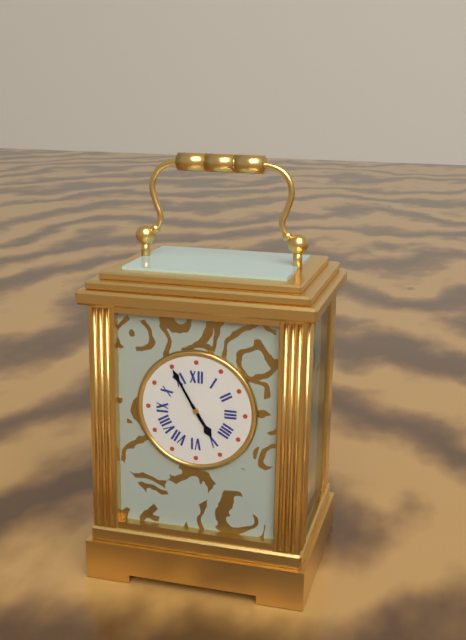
4,55
